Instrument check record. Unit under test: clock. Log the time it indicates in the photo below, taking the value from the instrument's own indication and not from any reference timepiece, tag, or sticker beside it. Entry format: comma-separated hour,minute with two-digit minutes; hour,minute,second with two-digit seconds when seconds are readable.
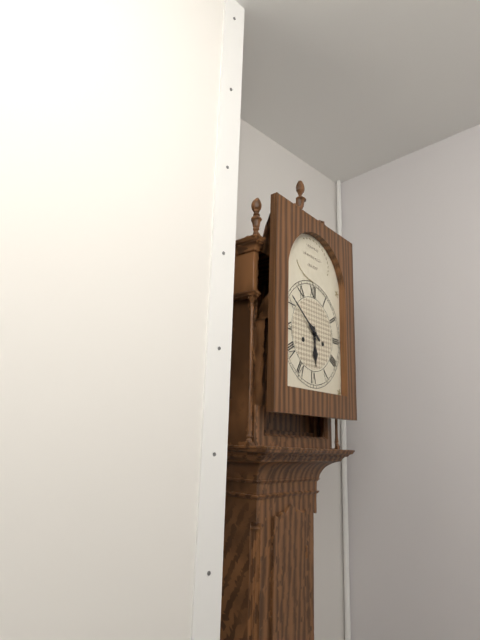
5,51
